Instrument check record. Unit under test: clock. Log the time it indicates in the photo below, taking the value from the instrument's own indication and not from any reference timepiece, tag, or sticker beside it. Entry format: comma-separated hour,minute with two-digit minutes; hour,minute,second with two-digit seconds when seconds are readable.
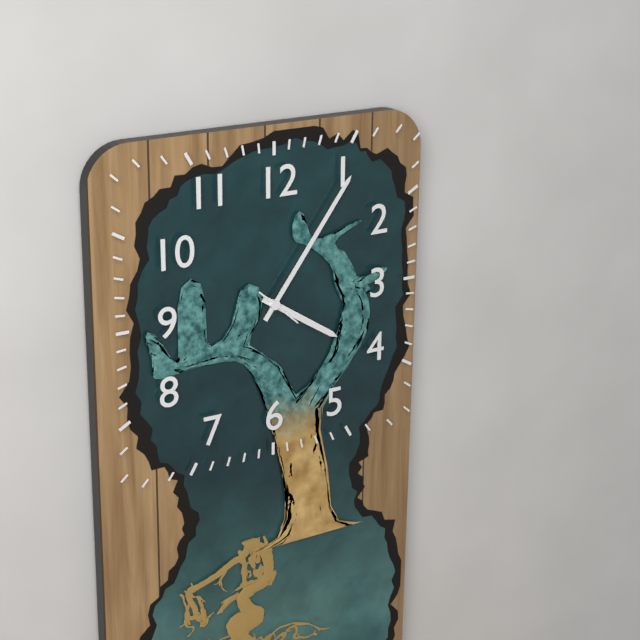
4,06,22
